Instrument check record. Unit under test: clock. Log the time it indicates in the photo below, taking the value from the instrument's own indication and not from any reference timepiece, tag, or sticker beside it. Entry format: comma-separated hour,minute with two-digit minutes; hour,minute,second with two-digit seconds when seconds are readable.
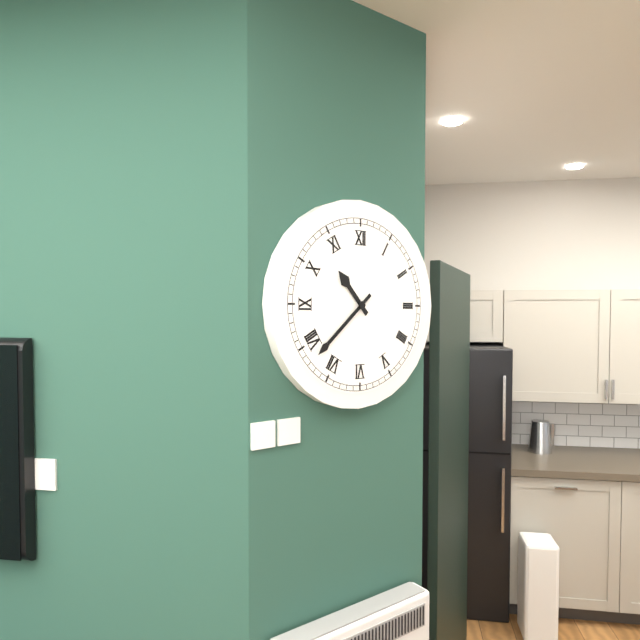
10,38
